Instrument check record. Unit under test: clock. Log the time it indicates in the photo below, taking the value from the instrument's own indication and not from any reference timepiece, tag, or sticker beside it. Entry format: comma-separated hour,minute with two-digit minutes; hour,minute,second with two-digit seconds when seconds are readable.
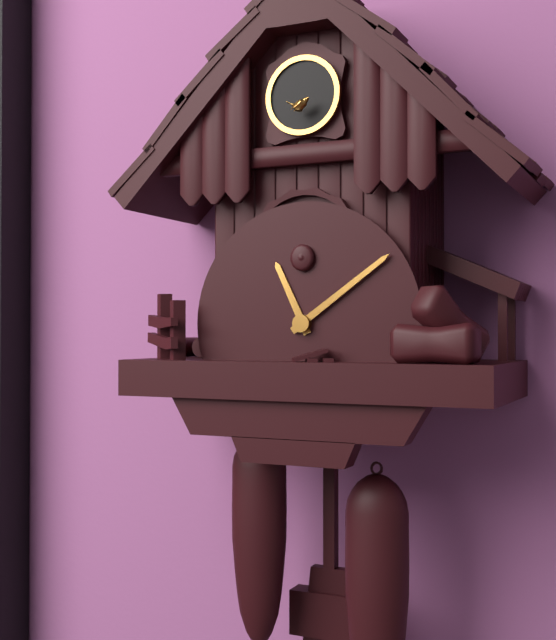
11,09
